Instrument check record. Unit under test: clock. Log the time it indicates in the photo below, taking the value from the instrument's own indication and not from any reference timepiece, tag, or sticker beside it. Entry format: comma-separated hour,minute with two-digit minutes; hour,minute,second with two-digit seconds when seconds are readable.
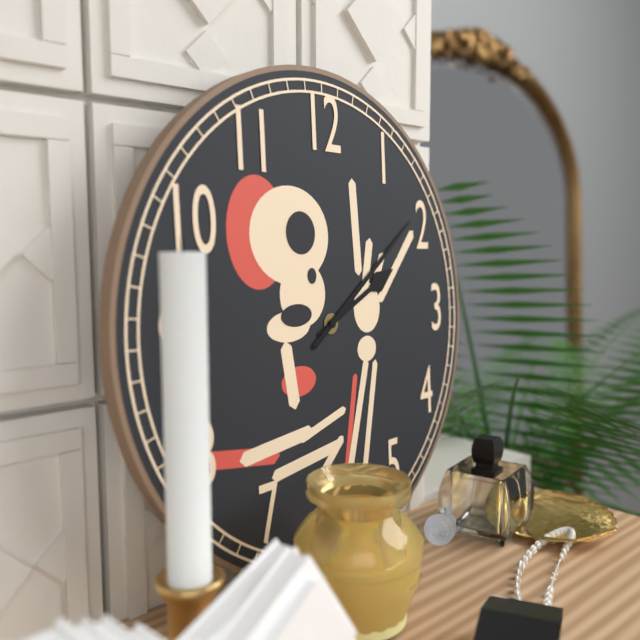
2,09
